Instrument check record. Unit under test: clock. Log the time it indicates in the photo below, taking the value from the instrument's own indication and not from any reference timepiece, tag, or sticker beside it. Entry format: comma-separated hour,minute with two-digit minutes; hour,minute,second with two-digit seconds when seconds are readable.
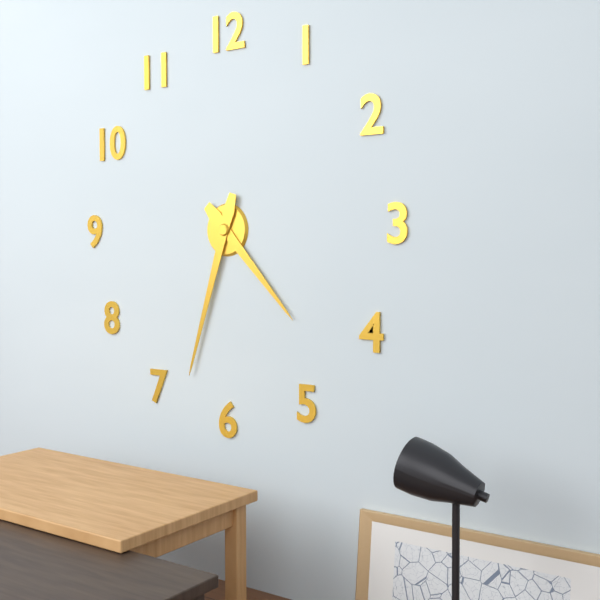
4,33
